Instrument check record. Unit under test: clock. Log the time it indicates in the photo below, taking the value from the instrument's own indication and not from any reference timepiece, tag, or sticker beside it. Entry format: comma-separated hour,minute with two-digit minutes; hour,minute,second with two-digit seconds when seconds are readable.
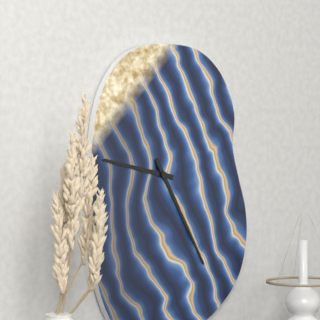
9,25
